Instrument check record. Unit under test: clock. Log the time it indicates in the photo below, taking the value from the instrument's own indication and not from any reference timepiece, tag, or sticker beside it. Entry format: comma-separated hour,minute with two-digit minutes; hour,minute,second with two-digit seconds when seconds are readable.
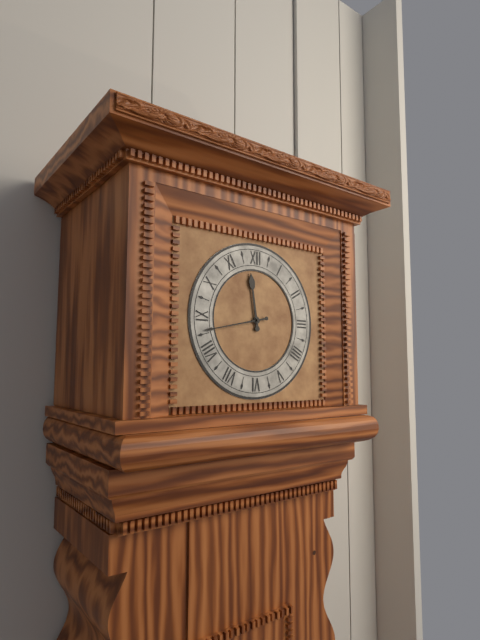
11,43
